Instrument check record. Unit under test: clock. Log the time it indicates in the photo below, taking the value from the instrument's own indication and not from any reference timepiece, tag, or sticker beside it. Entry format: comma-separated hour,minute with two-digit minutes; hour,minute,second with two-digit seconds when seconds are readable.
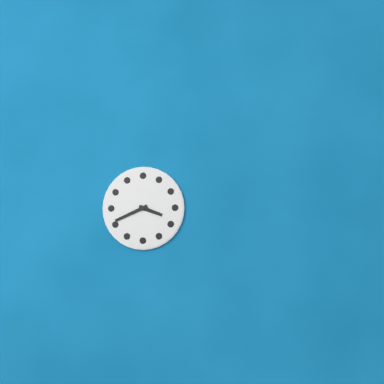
3,41
